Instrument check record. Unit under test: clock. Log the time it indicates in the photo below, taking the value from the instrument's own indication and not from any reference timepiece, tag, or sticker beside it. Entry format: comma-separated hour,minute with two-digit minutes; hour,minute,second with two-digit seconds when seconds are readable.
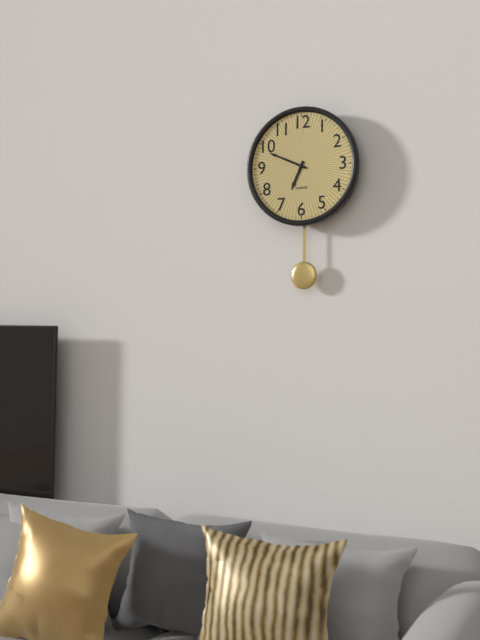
6,49
